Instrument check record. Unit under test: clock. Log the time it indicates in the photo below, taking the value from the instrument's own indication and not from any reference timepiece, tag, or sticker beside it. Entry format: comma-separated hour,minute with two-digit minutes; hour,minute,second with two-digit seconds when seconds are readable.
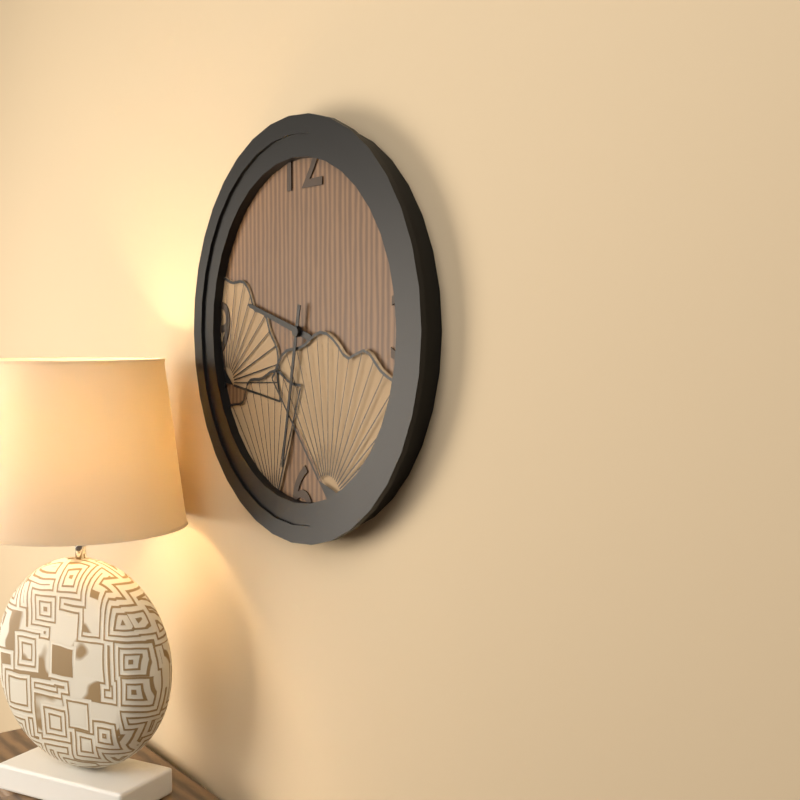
9,32
